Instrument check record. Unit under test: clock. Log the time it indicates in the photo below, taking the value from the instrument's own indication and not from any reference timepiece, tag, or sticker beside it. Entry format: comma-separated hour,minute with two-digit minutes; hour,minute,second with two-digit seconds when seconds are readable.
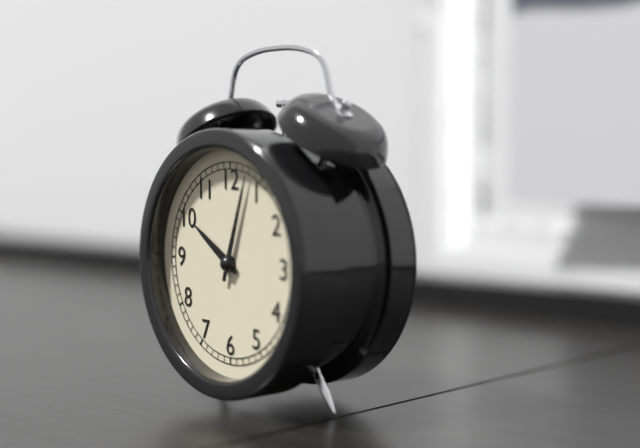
10,03
